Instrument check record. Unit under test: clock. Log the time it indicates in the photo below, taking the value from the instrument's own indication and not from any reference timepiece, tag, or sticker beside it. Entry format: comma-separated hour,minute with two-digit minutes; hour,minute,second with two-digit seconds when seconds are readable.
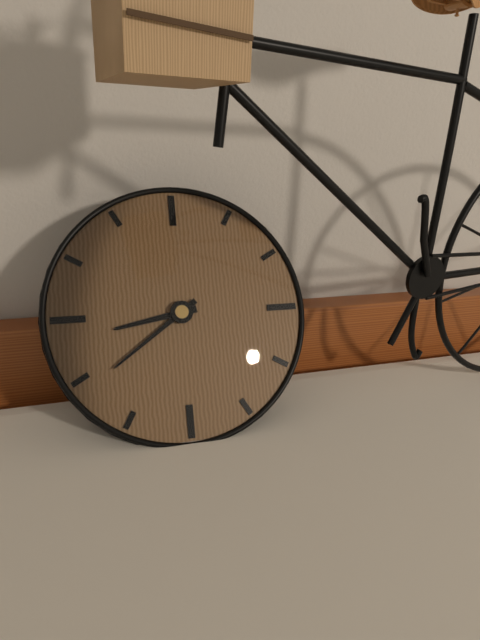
8,39
